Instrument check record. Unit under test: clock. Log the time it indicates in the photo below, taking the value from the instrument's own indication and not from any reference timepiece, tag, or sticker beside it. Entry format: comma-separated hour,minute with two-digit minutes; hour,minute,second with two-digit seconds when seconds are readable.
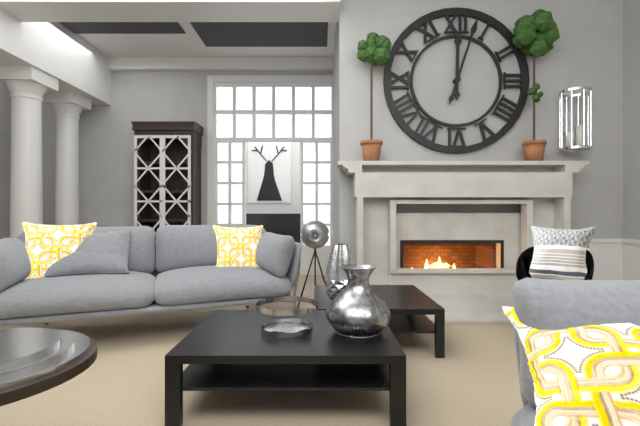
12,03
